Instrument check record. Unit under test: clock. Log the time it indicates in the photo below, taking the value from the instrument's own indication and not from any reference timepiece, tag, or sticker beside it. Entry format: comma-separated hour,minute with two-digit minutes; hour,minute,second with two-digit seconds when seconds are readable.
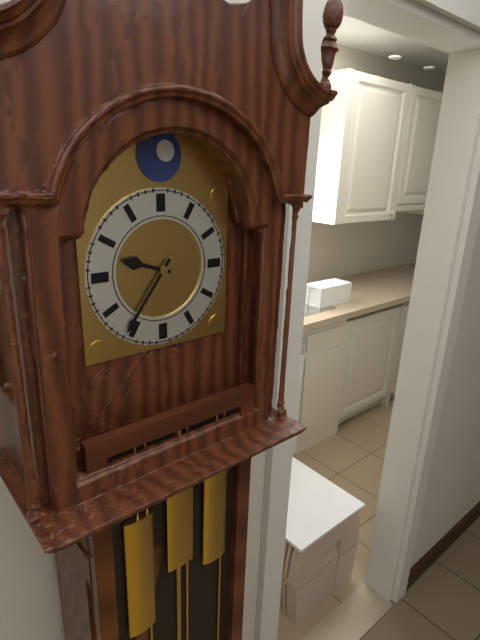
9,36
